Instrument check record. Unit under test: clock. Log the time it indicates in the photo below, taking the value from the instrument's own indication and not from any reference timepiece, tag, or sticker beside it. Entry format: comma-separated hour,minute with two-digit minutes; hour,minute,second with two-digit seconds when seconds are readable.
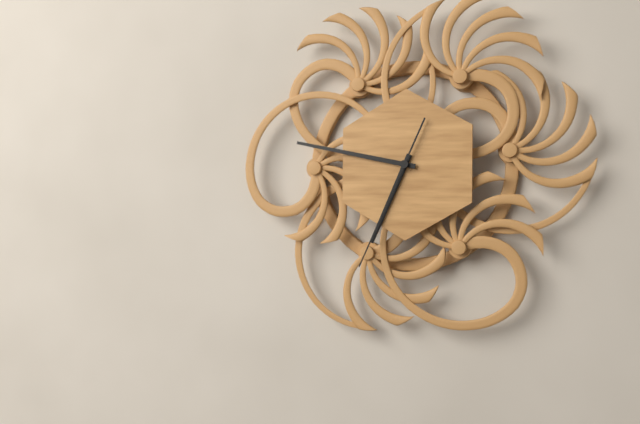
6,47,34
